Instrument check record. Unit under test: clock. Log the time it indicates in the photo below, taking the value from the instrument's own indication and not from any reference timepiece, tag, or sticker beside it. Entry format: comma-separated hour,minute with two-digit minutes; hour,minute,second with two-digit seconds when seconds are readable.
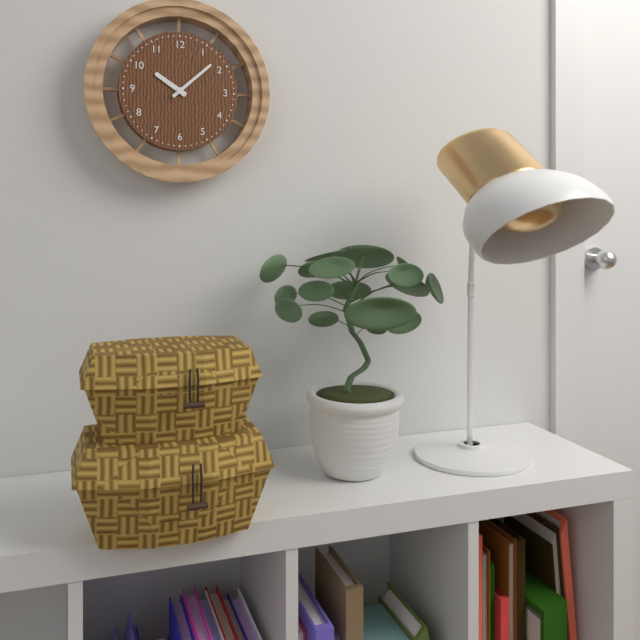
10,08
